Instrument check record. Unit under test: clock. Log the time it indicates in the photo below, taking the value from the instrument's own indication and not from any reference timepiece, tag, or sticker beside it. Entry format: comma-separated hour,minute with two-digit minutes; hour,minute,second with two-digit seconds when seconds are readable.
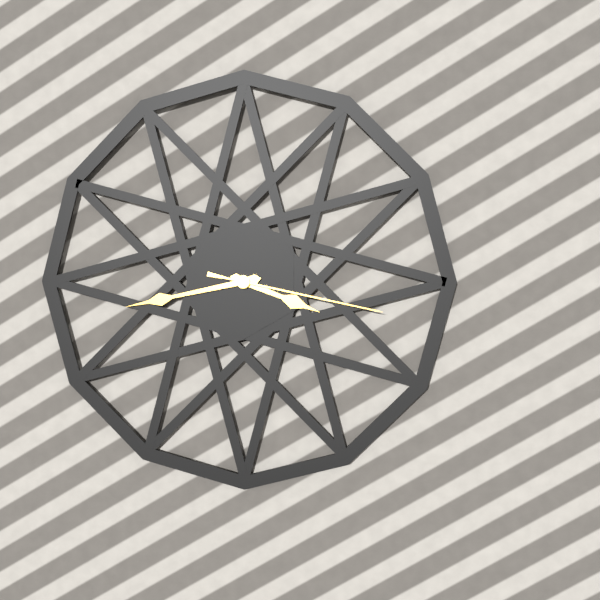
3,43,17
